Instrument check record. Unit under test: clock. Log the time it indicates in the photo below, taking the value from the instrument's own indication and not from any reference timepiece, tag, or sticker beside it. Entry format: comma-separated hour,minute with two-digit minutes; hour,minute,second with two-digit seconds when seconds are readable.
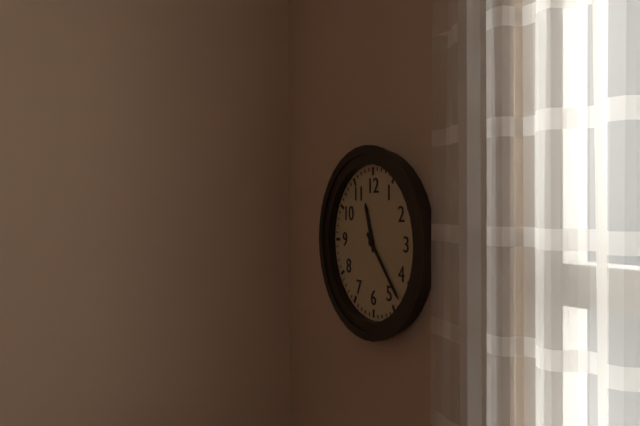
11,23
